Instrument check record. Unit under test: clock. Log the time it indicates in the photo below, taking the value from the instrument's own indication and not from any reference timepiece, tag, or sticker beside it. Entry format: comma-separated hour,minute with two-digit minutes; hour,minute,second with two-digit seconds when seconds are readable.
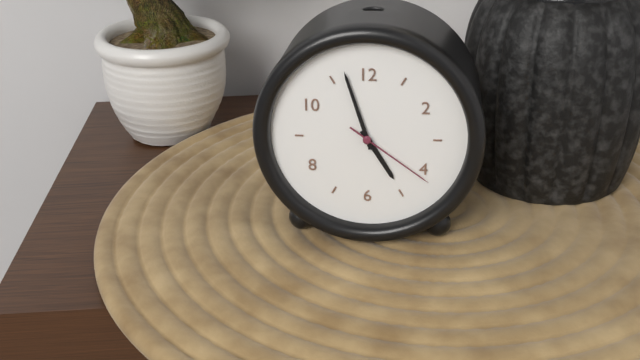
4,57,21
